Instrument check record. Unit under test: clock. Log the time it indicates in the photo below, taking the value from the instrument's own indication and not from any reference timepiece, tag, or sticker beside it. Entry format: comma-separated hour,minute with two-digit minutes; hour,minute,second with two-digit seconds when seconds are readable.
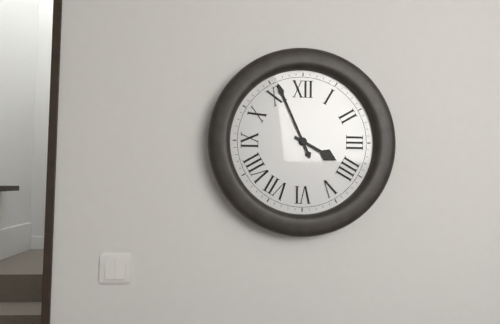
3,56
